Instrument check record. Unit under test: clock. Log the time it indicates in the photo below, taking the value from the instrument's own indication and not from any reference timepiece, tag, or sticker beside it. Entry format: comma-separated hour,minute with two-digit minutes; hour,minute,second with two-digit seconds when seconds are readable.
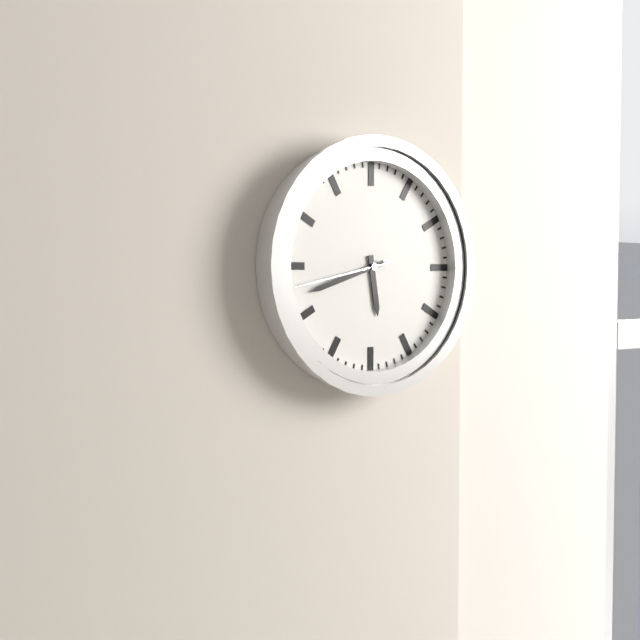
5,42,43
